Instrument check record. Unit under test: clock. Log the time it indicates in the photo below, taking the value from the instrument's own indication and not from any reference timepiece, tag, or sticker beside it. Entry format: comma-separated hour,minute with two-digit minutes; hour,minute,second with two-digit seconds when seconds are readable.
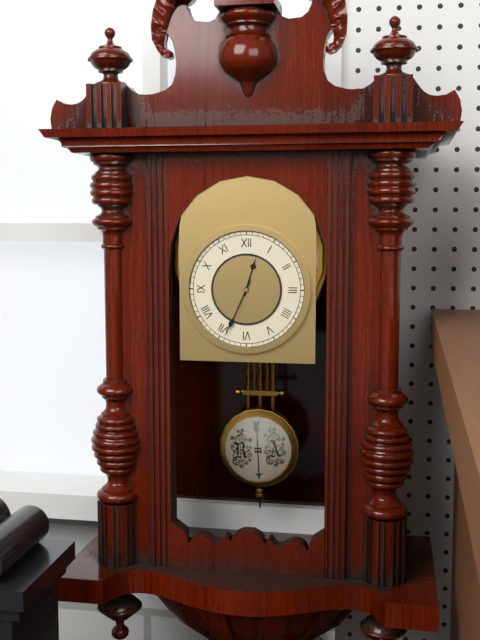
12,34
